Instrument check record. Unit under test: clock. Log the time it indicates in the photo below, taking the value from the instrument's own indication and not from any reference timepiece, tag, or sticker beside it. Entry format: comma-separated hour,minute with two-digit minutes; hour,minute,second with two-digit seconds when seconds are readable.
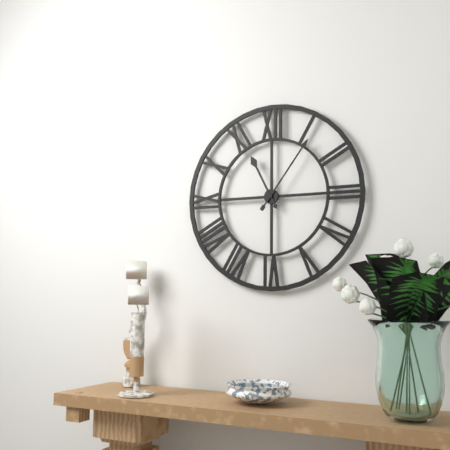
11,06
